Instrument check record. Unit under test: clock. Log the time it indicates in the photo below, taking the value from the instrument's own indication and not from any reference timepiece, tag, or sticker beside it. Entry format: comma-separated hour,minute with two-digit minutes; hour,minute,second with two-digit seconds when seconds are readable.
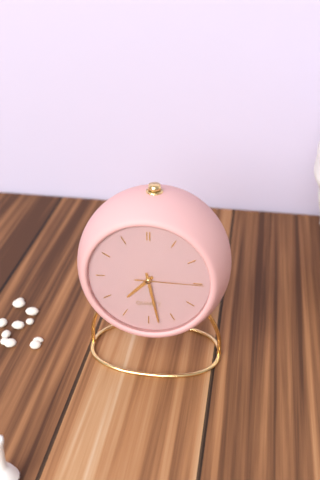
7,28,15
